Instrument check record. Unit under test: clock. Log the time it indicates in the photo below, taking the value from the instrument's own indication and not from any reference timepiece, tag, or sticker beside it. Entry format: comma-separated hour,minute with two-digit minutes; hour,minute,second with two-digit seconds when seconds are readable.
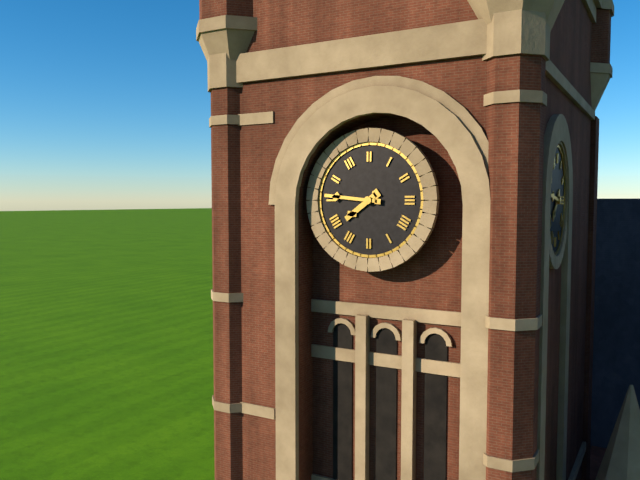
7,46
